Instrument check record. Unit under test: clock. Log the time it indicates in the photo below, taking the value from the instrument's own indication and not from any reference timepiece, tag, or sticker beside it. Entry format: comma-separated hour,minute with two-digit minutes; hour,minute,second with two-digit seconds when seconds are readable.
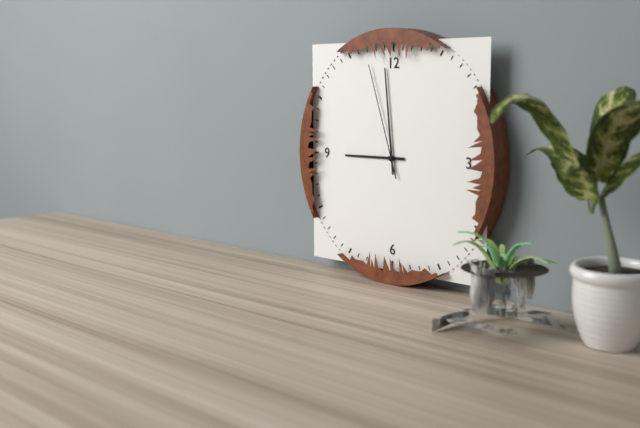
8,59,57
